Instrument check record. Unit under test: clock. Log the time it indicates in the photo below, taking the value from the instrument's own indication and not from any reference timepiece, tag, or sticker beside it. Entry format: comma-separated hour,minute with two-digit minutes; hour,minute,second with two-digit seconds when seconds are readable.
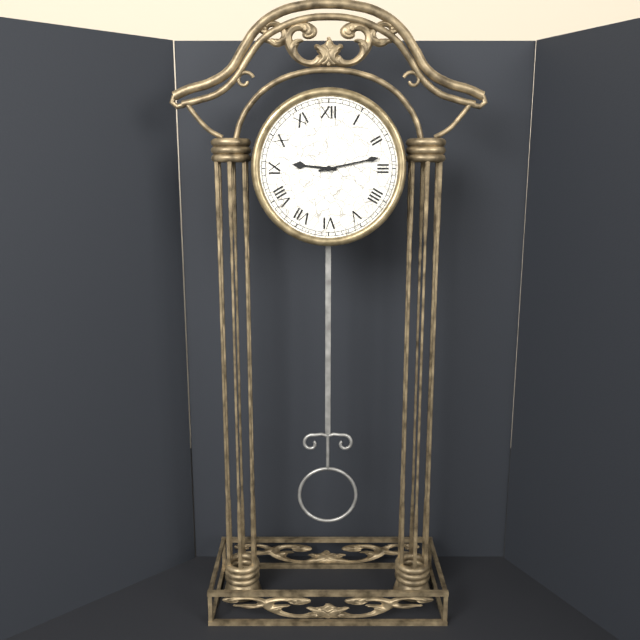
9,13
